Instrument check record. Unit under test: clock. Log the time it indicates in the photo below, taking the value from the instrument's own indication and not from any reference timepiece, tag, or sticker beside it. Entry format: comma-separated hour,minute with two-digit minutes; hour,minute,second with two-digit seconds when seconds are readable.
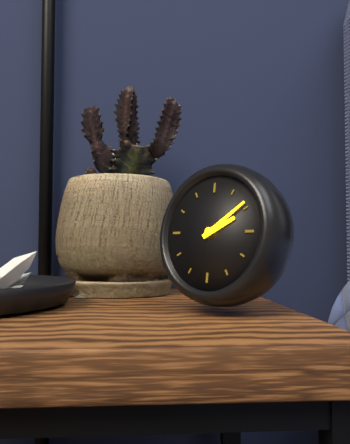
2,09
